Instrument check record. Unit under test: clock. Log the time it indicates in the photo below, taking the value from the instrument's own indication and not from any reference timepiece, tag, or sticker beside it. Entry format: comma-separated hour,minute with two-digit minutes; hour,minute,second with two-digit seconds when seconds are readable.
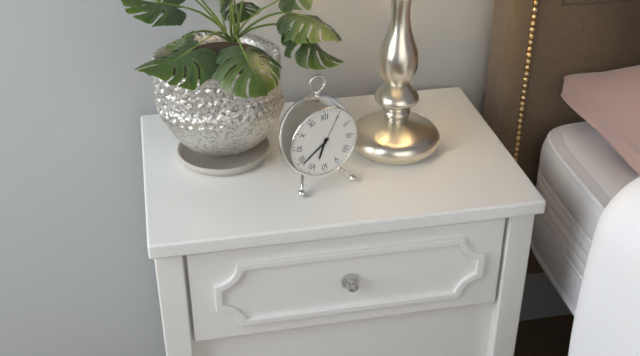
6,39
